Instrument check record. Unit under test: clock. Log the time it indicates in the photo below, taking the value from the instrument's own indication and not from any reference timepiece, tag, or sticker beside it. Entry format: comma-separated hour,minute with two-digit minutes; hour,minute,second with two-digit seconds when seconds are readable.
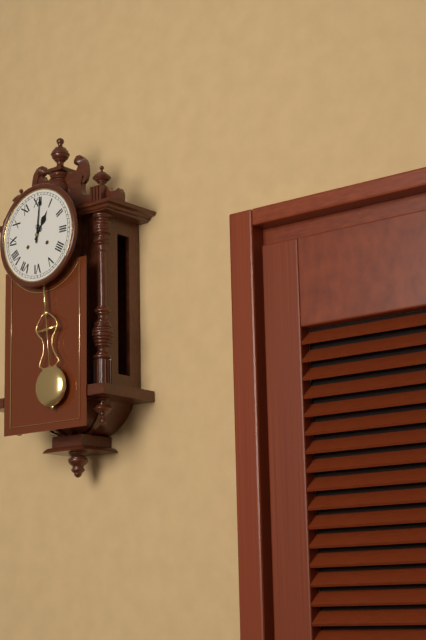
1,01
